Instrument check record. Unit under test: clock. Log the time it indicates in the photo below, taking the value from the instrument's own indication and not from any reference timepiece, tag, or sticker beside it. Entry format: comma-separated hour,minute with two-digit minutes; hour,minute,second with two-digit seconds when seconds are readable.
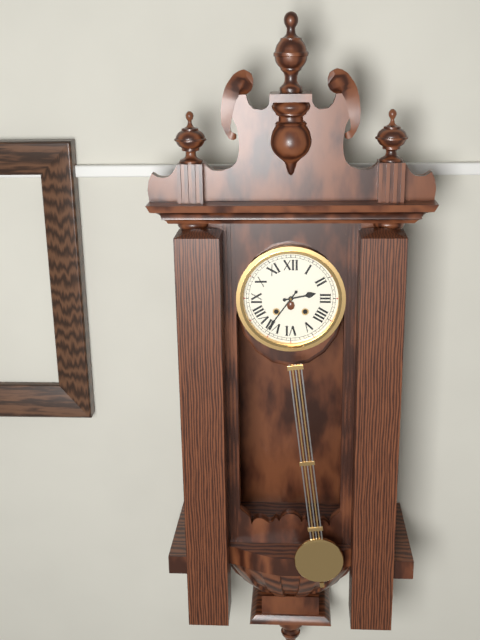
2,36
